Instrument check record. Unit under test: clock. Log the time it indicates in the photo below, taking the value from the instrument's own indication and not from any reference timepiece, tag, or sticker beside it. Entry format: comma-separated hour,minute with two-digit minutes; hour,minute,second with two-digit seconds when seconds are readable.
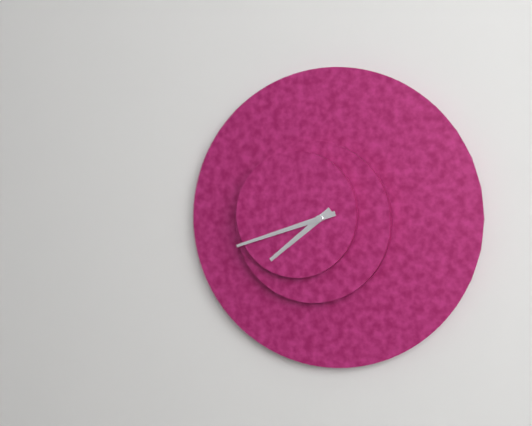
7,42
